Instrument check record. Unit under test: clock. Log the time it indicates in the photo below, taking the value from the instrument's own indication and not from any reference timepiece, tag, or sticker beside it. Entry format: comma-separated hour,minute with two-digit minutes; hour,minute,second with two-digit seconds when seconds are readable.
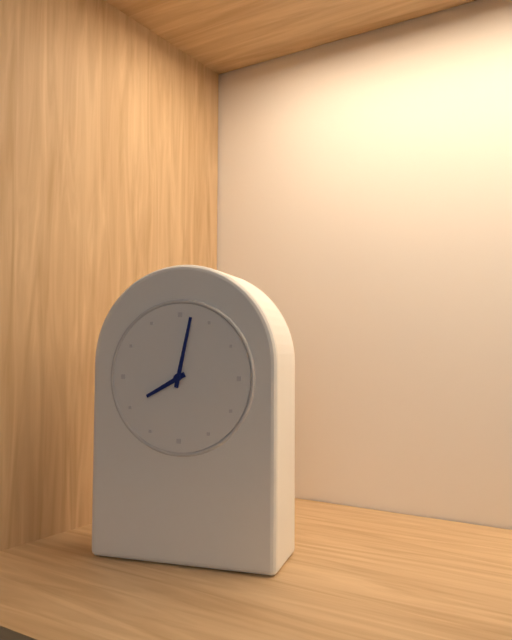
8,02
